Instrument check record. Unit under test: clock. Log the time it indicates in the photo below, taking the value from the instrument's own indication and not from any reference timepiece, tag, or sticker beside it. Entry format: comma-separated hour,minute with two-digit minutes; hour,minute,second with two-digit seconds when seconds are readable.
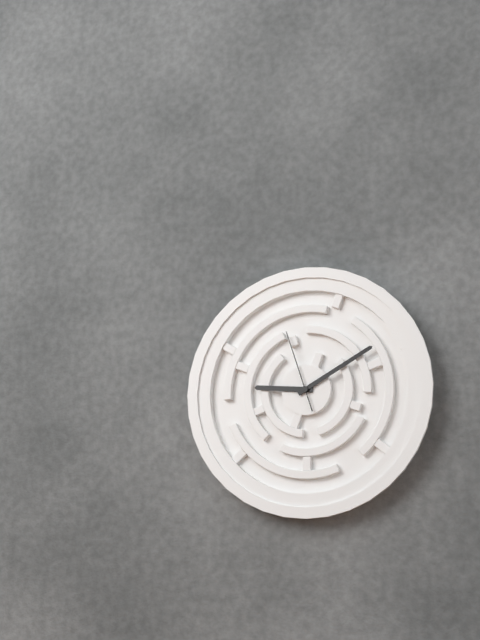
9,10,57
